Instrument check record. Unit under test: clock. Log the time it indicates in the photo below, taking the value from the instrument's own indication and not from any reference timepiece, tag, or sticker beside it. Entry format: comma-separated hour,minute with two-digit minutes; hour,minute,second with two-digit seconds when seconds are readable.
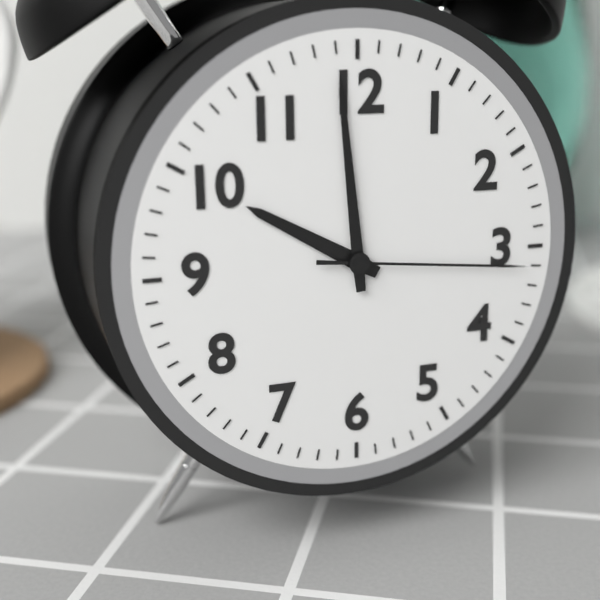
9,59,16
